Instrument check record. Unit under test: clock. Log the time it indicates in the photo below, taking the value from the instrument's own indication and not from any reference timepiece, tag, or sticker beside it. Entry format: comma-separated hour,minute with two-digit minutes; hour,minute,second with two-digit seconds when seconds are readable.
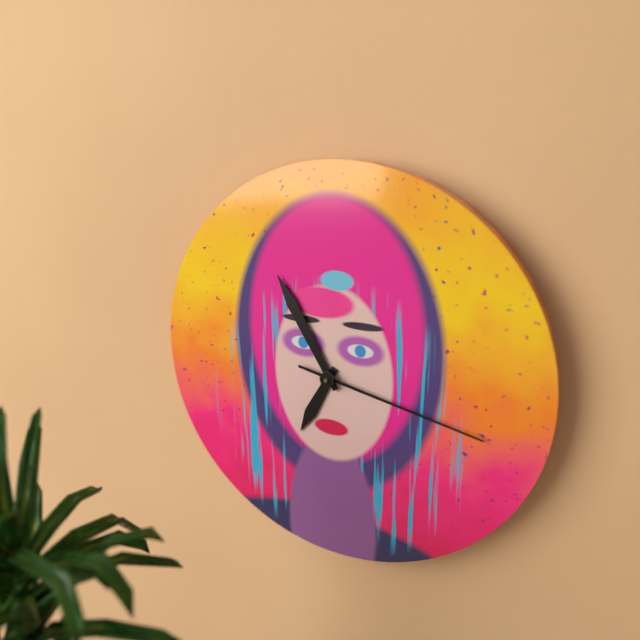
6,55,17
